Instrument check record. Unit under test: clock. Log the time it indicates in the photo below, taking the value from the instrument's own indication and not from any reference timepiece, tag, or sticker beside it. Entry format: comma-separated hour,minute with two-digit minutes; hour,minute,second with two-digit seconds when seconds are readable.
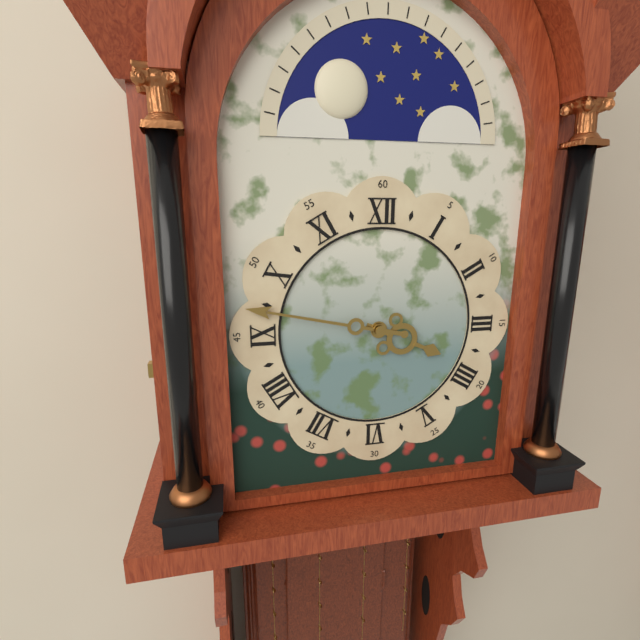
3,47
